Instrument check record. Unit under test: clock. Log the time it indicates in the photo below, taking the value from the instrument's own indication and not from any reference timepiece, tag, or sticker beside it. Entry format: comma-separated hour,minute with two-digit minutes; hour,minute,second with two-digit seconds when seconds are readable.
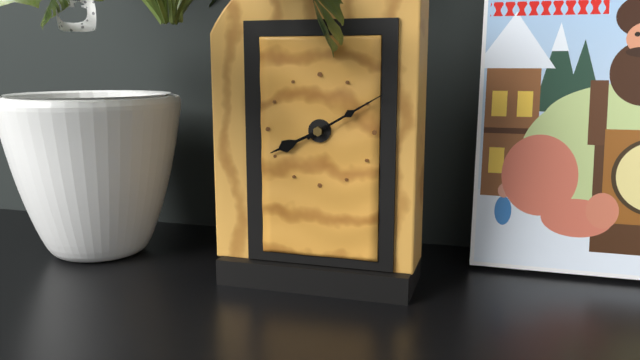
8,10
